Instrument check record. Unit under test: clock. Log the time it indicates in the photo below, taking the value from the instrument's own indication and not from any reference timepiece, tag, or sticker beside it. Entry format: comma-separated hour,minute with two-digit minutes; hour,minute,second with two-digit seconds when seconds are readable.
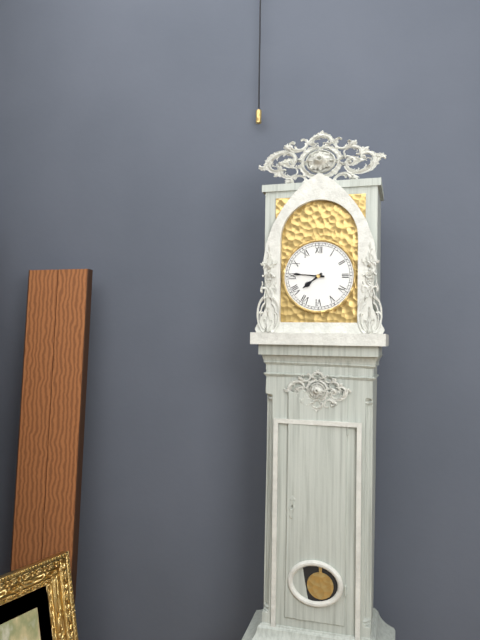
7,46
